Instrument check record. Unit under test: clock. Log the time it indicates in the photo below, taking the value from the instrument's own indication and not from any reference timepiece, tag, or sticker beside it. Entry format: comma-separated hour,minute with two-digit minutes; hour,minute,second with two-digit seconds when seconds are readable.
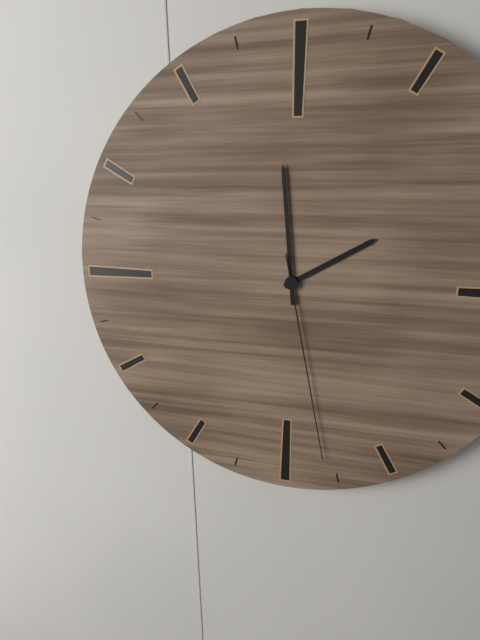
1,59,28
